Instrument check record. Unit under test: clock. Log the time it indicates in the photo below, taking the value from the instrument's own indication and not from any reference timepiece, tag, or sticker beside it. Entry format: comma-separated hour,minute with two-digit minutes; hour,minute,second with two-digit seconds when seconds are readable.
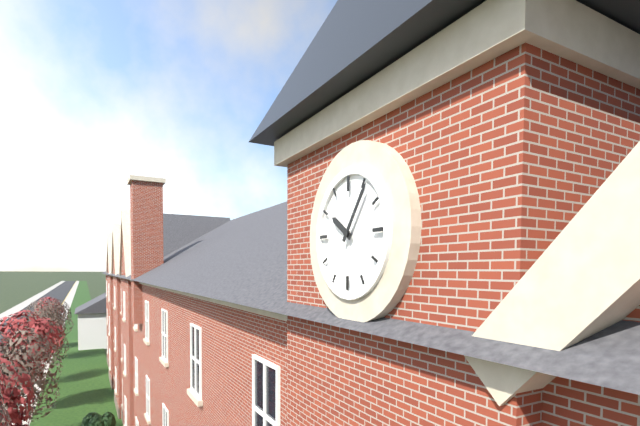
10,06
